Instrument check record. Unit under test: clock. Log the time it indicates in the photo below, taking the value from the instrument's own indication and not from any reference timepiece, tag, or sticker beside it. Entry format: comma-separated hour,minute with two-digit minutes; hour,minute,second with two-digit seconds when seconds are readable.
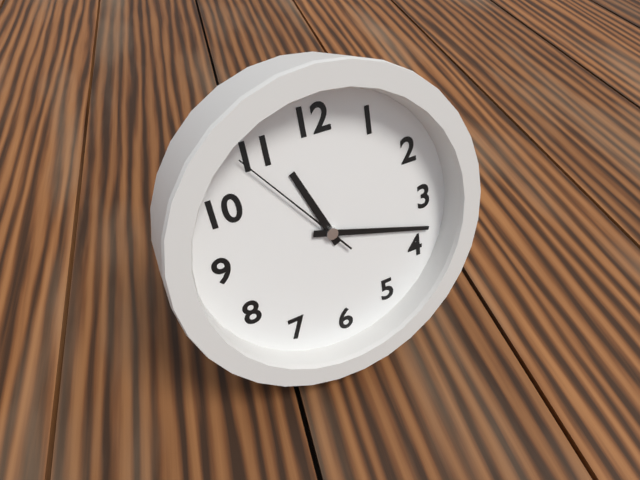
11,18,54
